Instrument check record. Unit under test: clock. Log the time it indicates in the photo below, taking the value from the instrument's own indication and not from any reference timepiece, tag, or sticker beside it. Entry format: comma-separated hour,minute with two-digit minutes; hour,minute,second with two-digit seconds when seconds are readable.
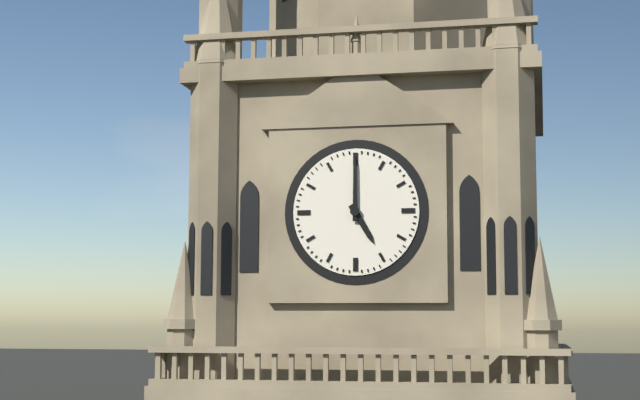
5,00
